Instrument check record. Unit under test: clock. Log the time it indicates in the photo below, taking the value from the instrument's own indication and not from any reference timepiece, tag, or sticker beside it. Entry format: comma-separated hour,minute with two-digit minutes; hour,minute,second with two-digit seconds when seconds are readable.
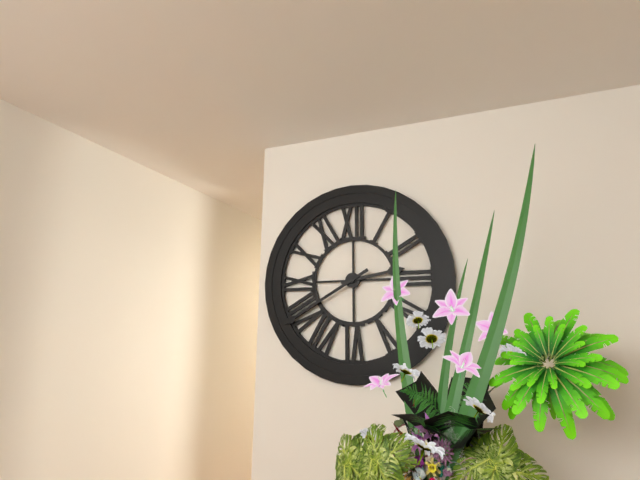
2,40
